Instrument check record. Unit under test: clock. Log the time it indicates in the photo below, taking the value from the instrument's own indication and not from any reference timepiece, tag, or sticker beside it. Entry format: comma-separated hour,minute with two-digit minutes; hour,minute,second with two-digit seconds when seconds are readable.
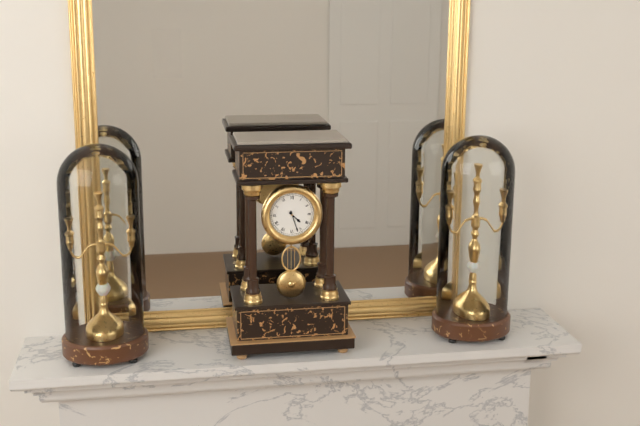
4,27
